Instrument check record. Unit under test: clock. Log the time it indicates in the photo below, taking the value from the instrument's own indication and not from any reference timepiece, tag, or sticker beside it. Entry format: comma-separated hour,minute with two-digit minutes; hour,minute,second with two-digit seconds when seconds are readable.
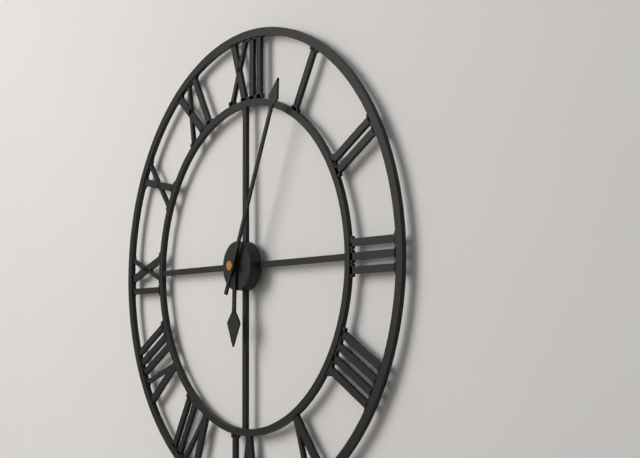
6,04
